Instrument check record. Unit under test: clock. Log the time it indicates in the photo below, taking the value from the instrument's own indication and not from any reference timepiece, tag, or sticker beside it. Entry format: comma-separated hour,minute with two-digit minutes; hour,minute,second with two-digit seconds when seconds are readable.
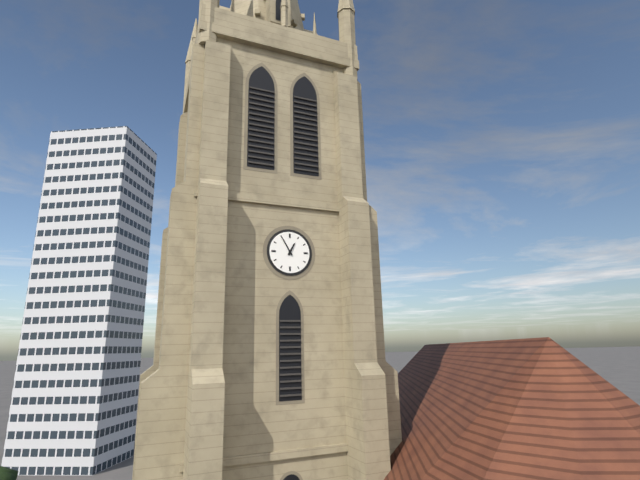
12,55
